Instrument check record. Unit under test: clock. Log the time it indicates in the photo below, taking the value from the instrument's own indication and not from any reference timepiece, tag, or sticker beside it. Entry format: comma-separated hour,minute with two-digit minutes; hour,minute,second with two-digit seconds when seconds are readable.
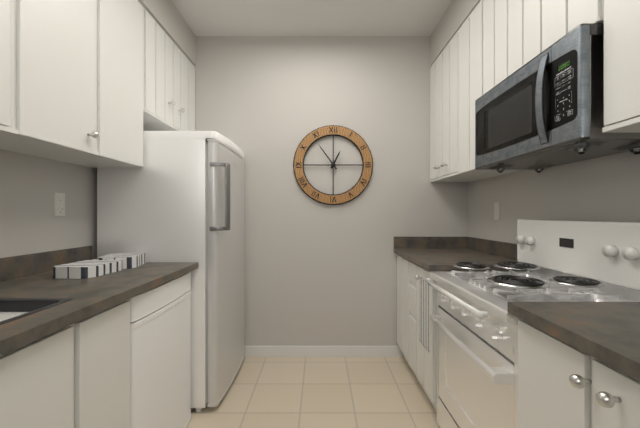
12,54
